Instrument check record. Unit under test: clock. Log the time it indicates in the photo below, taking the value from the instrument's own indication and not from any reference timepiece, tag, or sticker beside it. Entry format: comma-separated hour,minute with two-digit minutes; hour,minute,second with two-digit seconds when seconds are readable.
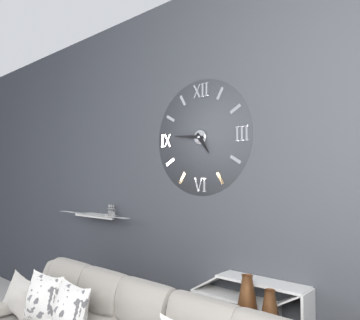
4,46
